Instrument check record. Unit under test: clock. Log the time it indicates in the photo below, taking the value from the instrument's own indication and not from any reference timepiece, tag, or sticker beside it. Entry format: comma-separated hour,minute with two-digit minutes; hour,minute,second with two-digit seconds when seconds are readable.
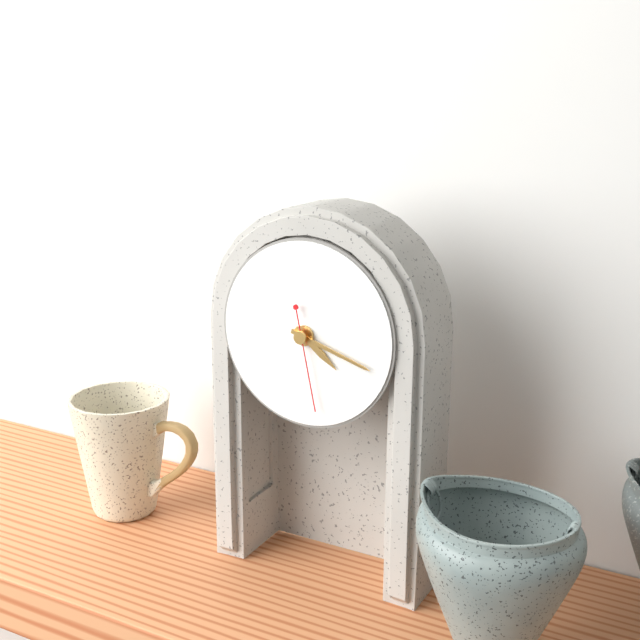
4,18,28
